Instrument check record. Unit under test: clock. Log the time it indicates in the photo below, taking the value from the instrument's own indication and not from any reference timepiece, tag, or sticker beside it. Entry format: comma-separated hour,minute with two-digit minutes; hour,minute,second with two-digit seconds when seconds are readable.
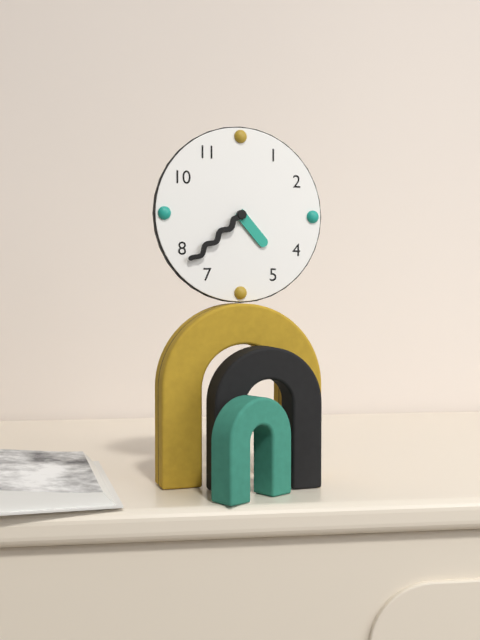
4,38
